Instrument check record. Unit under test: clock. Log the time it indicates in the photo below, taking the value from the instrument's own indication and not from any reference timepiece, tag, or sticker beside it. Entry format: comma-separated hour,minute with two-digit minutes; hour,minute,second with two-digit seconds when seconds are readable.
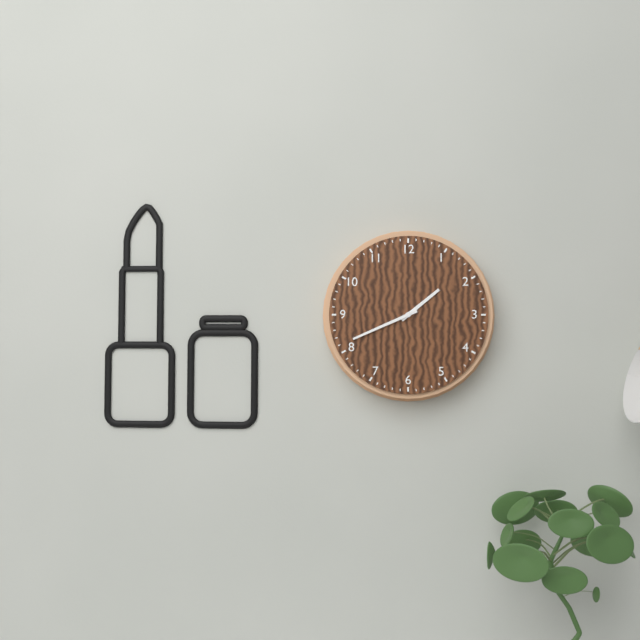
1,41
